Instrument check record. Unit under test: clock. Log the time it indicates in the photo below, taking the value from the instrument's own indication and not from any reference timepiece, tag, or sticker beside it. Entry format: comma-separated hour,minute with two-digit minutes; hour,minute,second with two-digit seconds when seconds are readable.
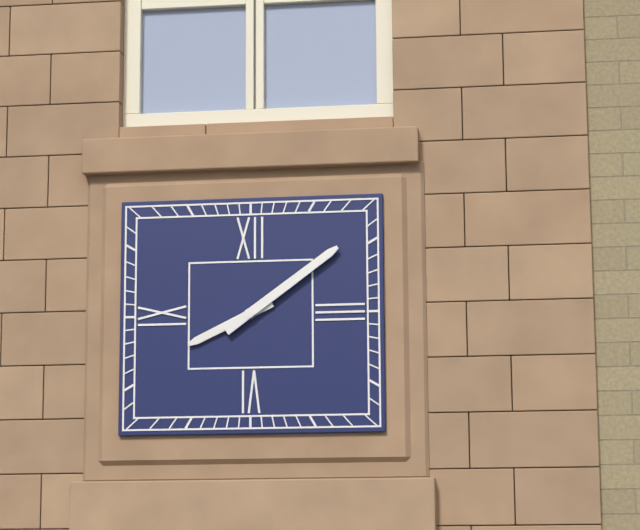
8,09
